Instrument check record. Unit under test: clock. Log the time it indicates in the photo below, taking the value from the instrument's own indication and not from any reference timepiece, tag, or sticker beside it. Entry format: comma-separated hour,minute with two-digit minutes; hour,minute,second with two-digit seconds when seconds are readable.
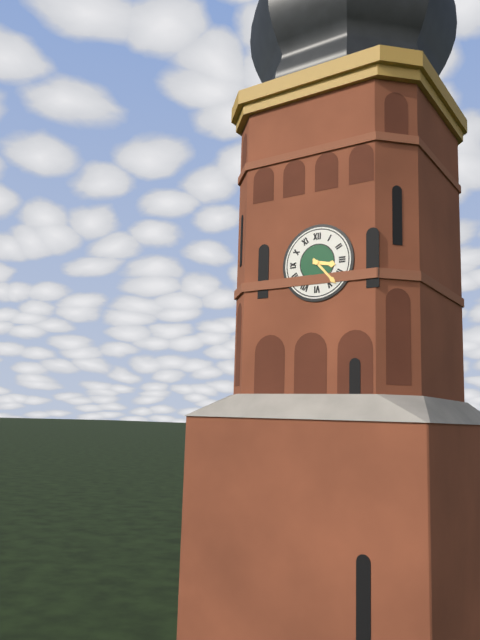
3,23
